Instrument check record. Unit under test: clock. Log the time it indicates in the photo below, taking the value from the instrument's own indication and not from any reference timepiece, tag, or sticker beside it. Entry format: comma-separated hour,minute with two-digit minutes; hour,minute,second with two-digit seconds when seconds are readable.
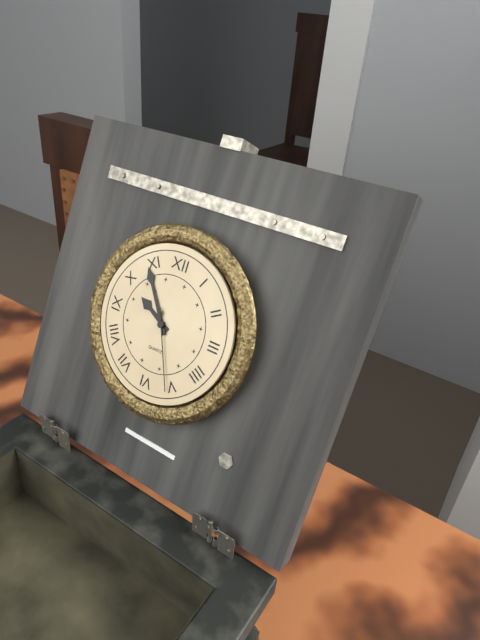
9,54,26
